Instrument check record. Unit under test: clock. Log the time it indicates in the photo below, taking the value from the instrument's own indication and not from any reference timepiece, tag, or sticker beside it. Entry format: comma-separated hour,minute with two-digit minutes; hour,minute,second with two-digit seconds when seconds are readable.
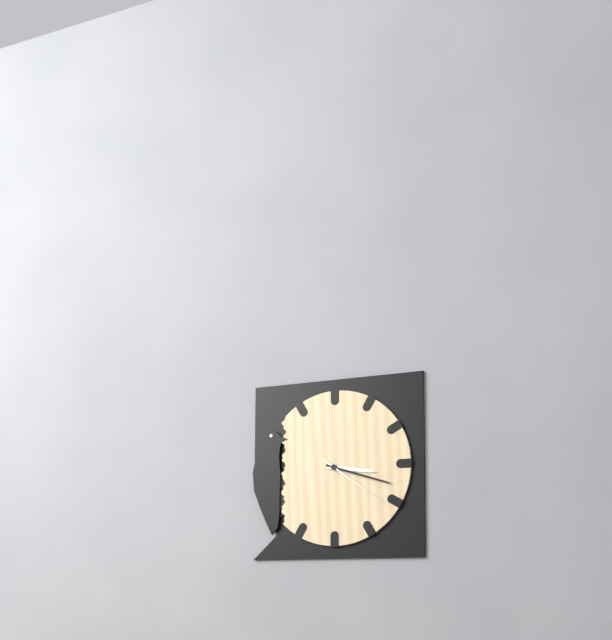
3,18,21
